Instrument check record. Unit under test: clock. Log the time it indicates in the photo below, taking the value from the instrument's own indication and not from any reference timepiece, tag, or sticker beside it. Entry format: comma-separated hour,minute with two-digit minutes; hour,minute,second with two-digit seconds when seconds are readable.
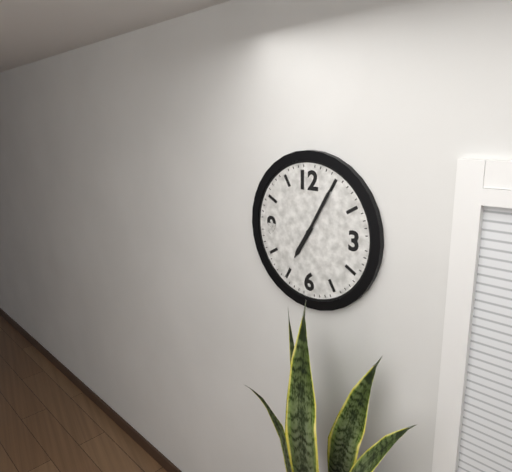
7,05
